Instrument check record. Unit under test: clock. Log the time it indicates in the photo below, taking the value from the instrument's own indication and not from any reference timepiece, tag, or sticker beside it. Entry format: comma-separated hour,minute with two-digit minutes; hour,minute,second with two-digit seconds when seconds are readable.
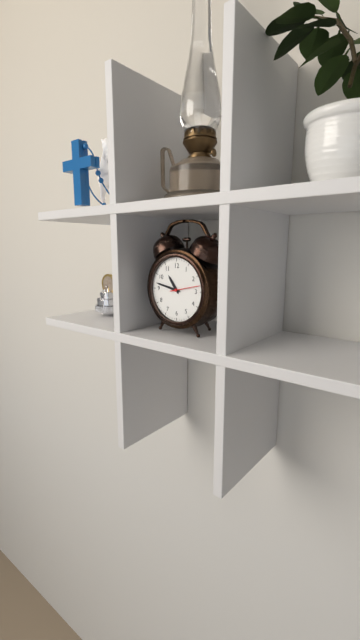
10,47
